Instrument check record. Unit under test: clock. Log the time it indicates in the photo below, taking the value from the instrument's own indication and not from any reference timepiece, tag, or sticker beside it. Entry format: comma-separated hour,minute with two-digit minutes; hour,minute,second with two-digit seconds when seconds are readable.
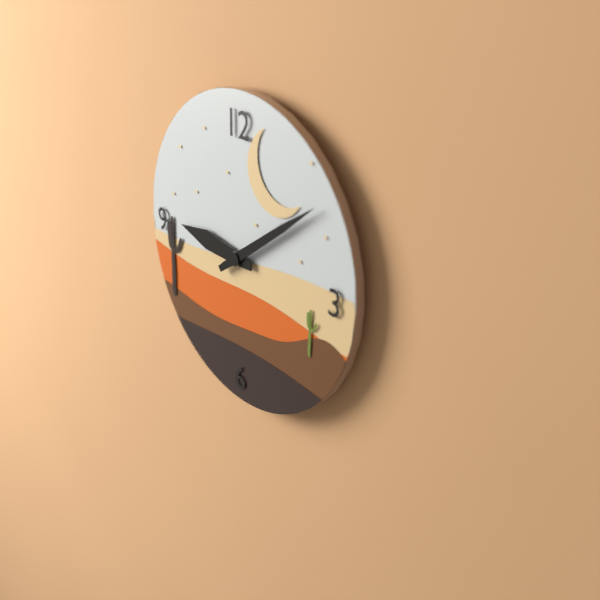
9,09
